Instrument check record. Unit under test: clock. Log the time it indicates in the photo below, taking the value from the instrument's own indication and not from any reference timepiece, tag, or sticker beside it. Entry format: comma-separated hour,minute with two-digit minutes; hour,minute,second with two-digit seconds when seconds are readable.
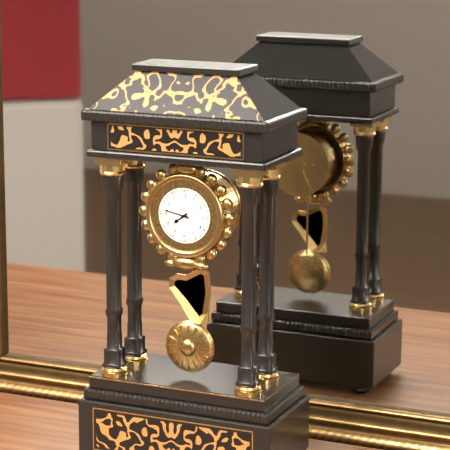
7,47
